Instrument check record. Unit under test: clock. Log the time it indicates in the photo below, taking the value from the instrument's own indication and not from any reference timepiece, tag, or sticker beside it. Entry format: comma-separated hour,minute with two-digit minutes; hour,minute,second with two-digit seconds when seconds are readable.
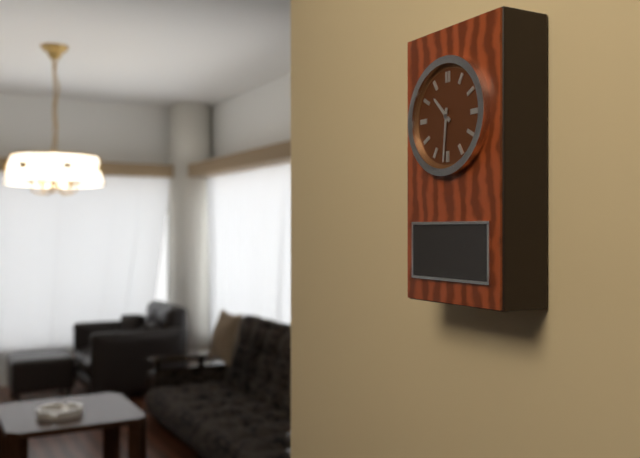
10,31
